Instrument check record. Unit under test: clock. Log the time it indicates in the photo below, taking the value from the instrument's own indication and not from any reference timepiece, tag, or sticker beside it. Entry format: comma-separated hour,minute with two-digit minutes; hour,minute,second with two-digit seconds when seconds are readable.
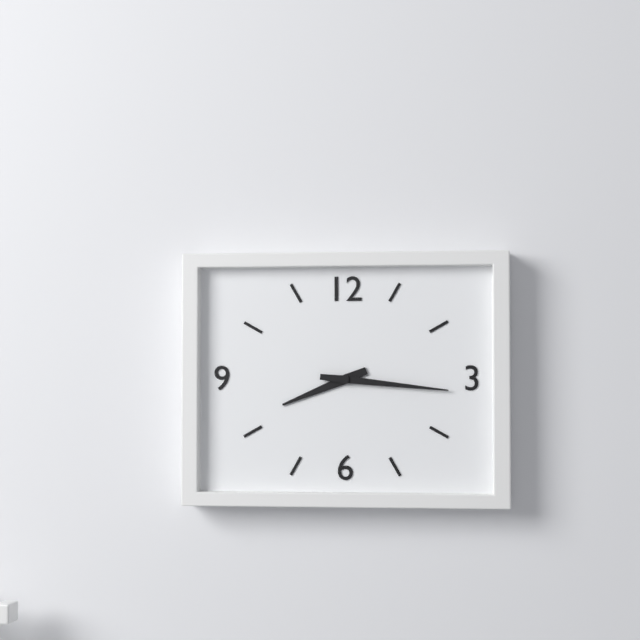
8,16
